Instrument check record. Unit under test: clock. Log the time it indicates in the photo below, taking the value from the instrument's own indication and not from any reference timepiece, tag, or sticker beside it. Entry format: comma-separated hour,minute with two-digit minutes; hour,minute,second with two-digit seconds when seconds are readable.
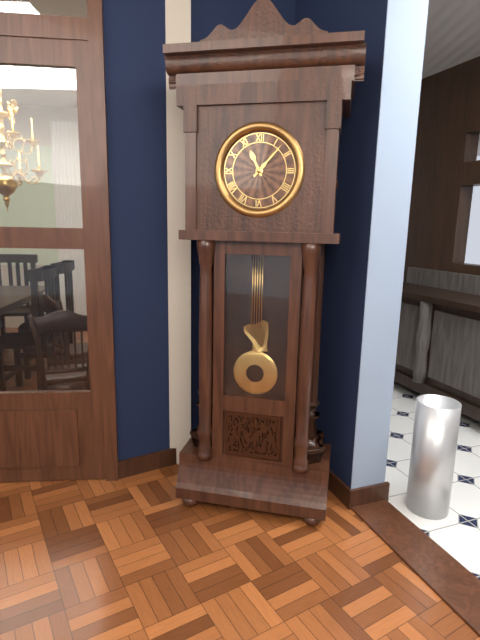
11,07
